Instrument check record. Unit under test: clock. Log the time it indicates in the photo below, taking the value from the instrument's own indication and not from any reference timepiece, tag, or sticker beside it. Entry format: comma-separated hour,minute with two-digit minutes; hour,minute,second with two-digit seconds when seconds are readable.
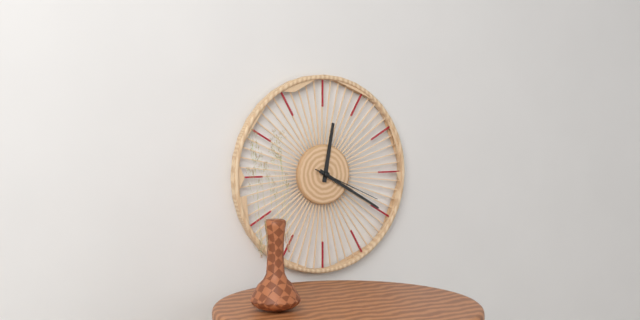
12,20,19
